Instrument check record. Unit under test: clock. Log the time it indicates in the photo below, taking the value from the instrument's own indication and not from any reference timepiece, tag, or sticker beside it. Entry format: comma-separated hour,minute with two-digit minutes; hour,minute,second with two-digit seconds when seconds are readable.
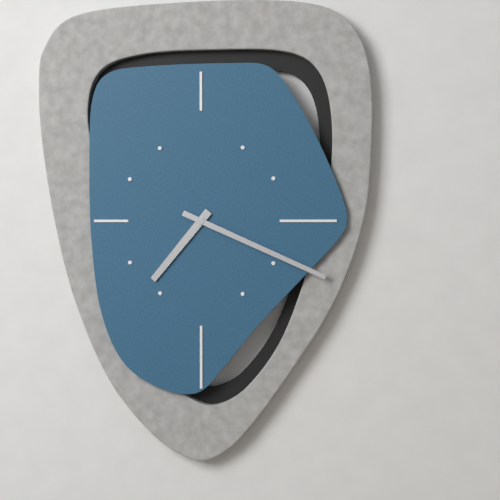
7,19
